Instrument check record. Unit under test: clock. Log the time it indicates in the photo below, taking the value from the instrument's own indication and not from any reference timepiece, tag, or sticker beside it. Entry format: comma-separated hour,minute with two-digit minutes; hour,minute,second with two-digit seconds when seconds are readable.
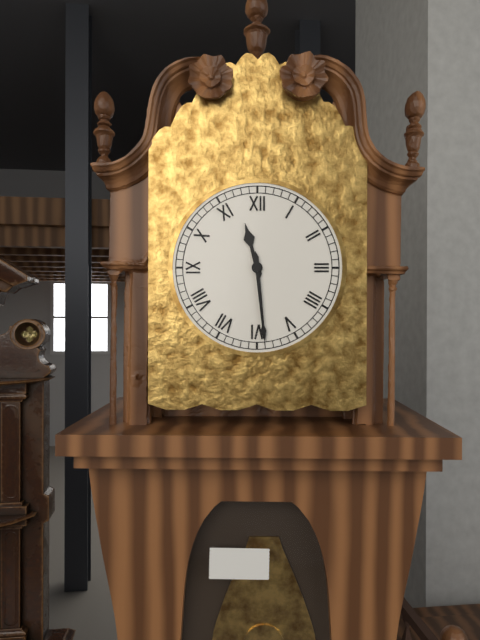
11,29
